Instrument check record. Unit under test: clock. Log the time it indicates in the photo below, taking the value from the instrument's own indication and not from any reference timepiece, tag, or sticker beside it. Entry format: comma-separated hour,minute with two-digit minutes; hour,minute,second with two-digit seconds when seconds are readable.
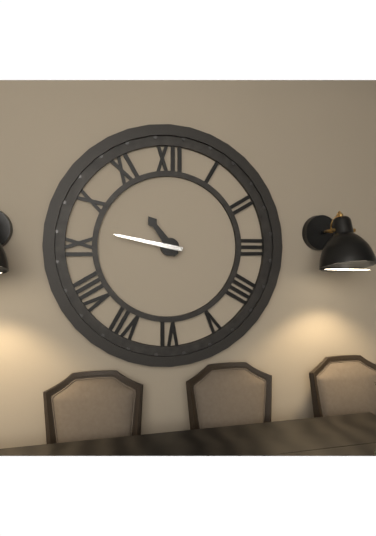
10,47
